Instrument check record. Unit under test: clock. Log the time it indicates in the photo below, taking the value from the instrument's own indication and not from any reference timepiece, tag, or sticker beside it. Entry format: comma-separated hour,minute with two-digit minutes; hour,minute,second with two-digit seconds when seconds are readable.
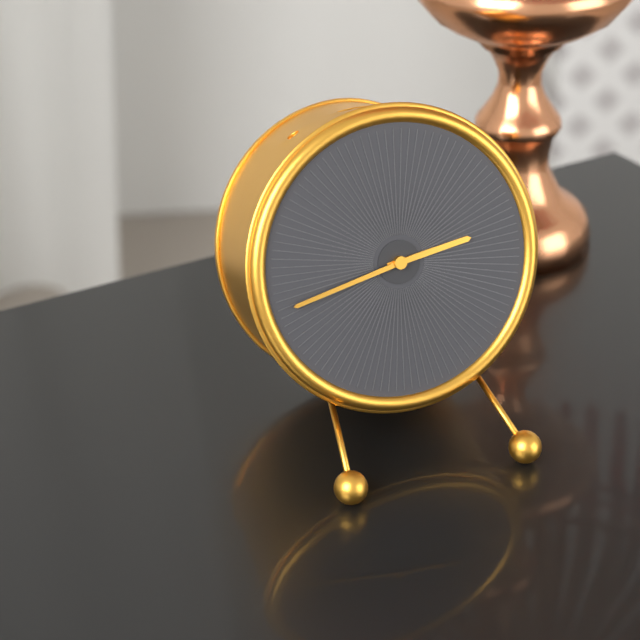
2,43
